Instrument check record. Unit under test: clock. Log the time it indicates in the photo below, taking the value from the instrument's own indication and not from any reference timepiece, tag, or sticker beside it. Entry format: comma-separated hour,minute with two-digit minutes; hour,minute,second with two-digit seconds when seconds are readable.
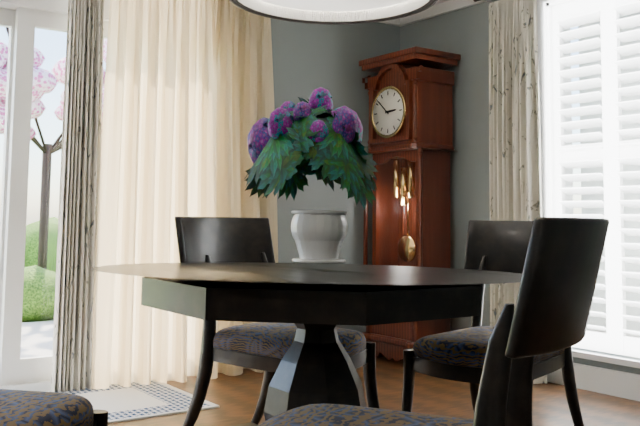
2,52
